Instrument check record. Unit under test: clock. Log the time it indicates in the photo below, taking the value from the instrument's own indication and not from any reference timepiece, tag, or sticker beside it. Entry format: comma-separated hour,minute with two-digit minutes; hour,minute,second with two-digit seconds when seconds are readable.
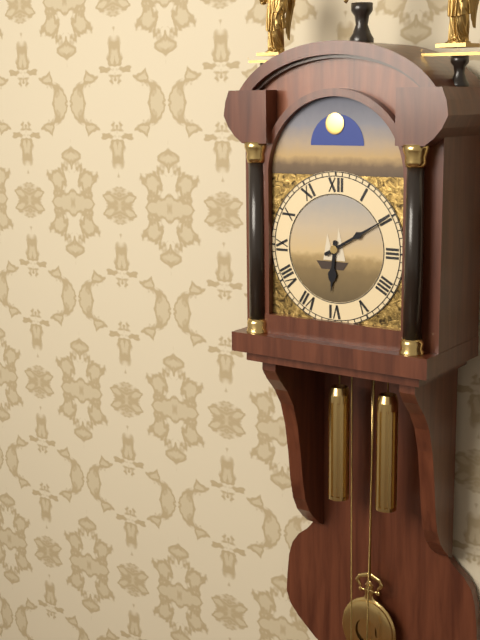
6,10
